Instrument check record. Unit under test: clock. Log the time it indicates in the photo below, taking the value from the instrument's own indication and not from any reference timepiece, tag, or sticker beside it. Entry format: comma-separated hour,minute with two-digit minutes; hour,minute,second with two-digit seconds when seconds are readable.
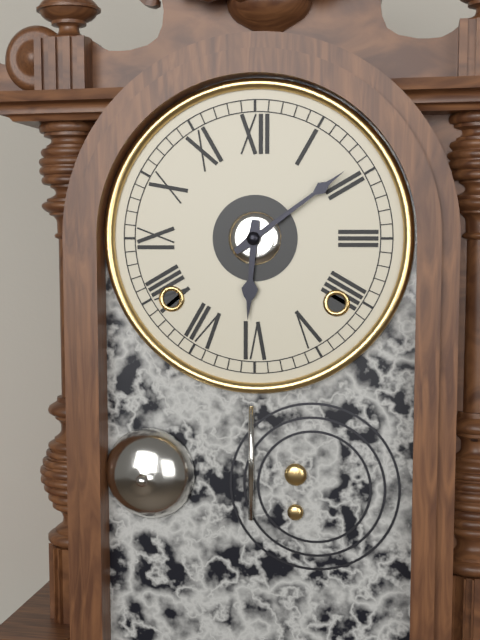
6,09
